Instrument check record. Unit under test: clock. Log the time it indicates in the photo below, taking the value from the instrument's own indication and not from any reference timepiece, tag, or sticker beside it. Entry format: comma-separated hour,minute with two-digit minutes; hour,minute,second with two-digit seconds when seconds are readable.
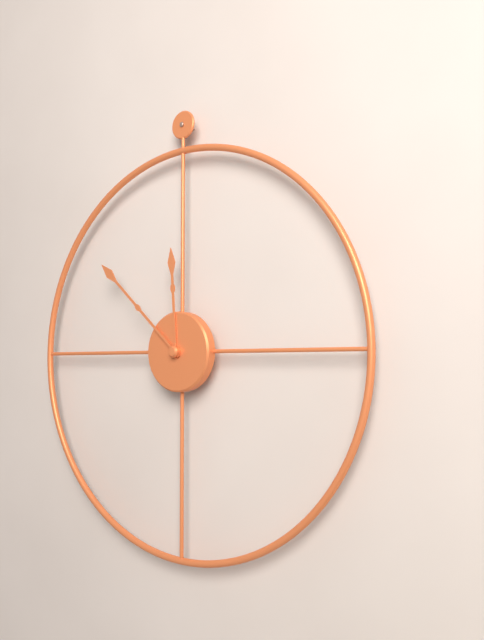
11,52
